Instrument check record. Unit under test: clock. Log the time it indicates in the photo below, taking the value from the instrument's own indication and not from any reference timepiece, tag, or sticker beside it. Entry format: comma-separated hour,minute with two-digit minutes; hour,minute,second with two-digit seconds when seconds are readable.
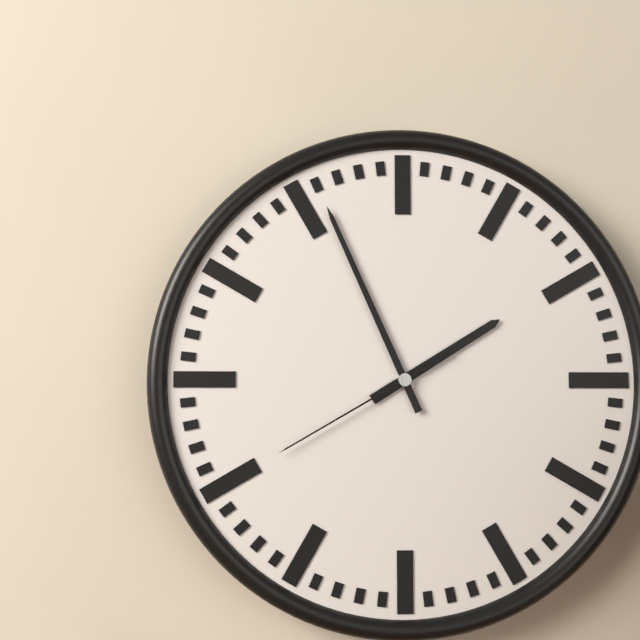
1,56,40
